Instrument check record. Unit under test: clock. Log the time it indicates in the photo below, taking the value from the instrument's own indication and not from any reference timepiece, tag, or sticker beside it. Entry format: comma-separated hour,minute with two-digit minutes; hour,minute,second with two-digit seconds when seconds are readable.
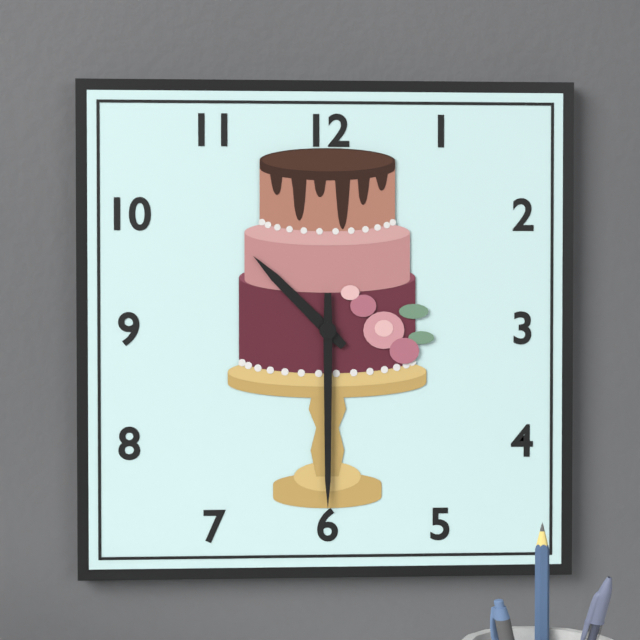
10,30
